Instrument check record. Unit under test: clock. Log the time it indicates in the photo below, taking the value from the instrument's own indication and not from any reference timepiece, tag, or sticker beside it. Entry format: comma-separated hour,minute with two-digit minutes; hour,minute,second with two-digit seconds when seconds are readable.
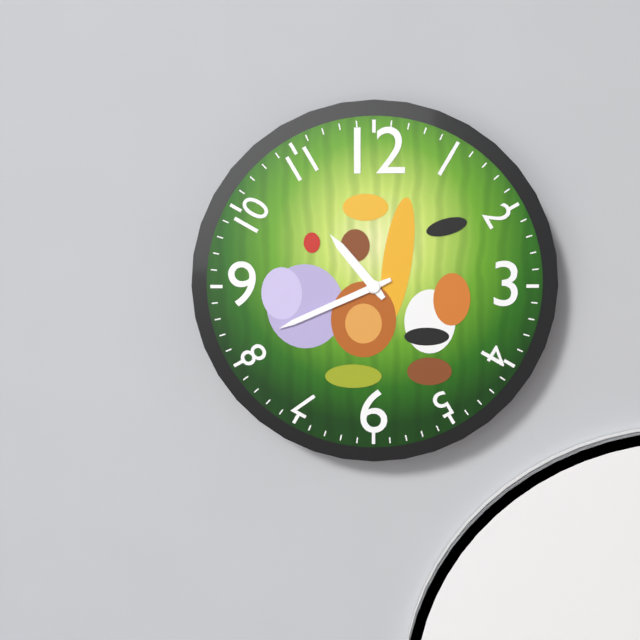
10,41
